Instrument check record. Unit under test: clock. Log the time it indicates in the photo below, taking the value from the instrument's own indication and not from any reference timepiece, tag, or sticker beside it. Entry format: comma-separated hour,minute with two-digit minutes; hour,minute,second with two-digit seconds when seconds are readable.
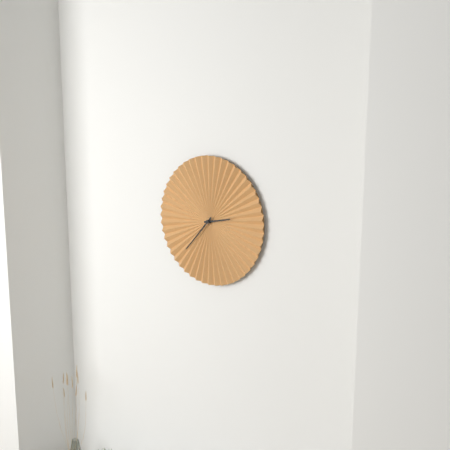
2,37
